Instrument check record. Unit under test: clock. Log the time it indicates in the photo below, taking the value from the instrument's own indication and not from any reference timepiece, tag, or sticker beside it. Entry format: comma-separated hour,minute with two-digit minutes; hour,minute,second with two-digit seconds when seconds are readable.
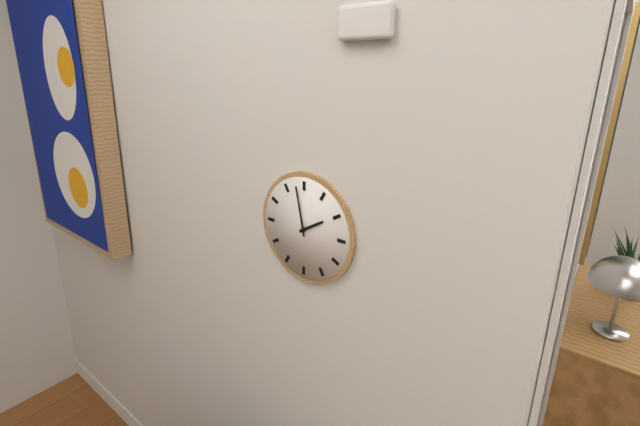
1,58
